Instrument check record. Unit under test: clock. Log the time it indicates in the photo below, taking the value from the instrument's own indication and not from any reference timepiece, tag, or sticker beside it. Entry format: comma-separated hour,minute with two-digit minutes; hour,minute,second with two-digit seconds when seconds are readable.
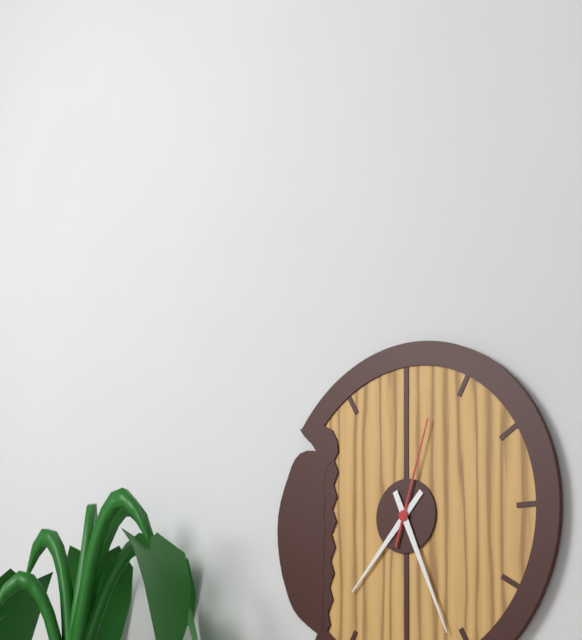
7,26,03
